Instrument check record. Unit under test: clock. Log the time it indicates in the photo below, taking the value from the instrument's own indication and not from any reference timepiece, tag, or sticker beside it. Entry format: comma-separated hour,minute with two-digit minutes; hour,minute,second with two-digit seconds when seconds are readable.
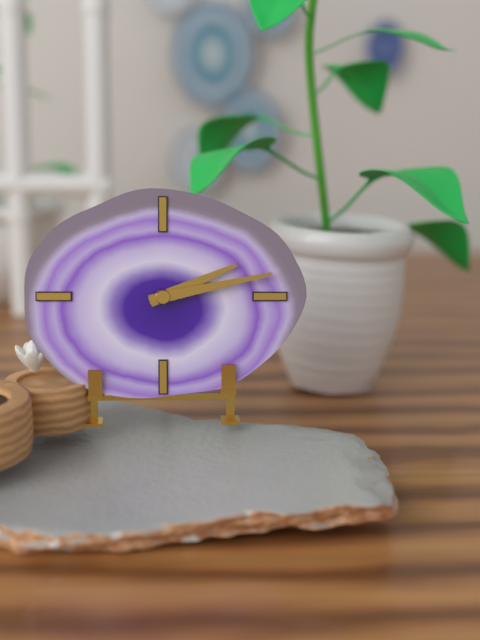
2,13
